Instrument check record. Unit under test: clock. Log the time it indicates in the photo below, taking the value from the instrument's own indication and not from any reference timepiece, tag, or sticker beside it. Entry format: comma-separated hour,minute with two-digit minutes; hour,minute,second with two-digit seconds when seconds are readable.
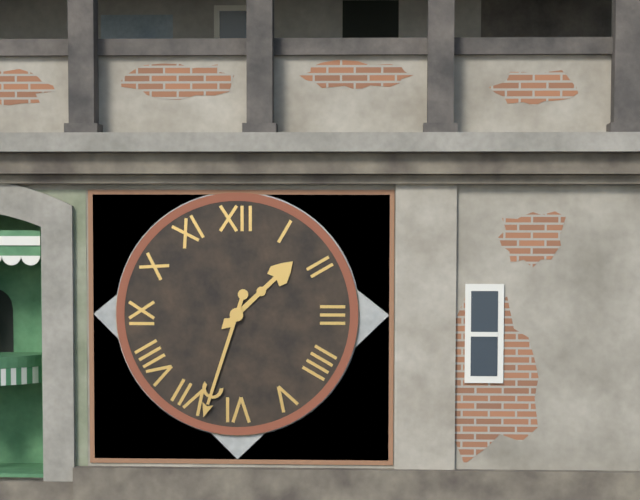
1,33
